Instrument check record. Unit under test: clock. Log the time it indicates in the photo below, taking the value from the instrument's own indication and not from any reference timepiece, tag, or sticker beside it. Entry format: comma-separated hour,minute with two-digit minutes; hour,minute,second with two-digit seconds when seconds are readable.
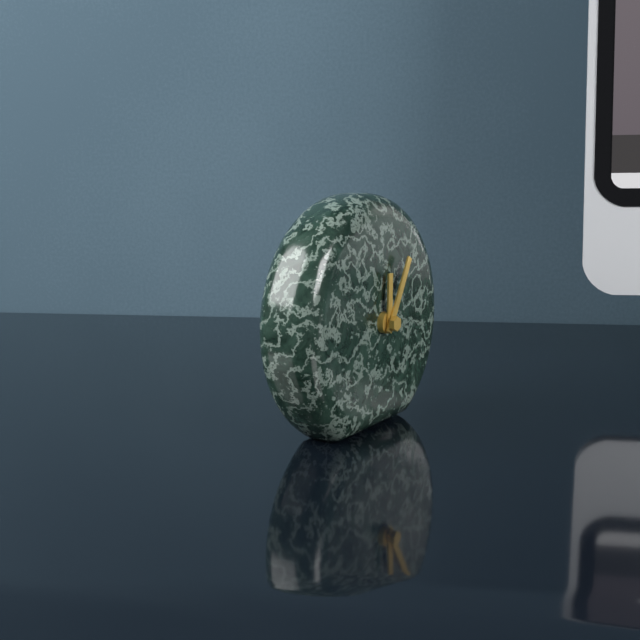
12,05
